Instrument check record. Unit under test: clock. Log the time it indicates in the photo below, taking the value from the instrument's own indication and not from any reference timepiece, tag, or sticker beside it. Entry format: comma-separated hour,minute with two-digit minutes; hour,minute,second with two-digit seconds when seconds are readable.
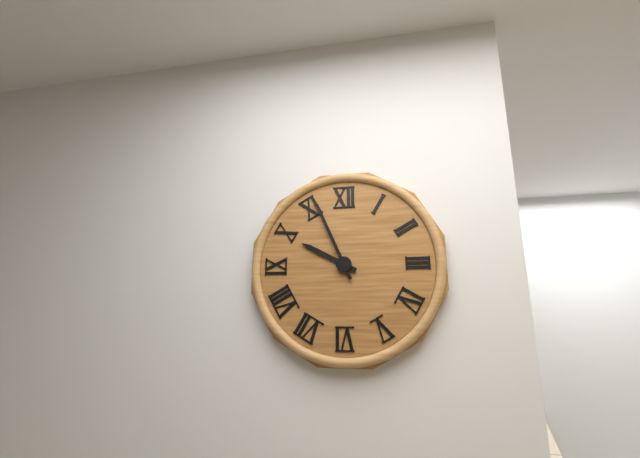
9,56
